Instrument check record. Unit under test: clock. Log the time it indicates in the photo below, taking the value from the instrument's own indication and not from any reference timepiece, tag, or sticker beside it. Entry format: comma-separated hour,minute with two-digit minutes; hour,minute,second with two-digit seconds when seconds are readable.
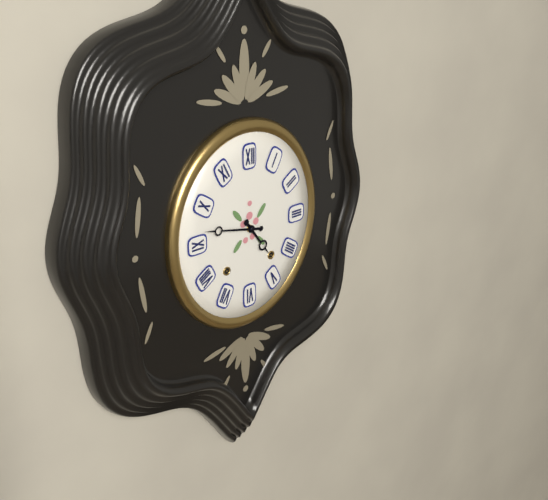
4,47
